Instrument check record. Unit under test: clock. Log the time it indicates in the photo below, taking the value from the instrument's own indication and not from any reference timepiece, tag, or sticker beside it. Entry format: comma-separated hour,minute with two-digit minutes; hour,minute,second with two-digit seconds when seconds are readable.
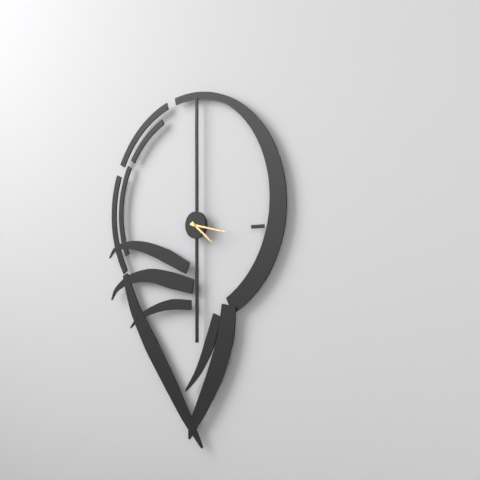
4,17
